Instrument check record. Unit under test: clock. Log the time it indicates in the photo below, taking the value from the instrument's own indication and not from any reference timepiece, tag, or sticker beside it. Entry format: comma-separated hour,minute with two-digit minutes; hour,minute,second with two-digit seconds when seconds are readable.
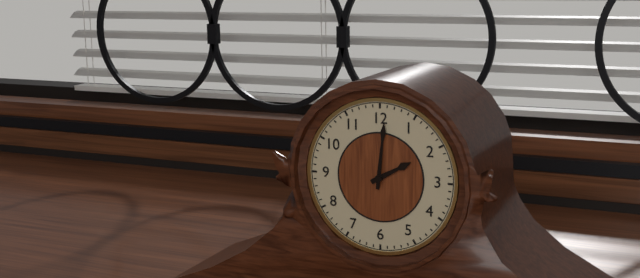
2,01
